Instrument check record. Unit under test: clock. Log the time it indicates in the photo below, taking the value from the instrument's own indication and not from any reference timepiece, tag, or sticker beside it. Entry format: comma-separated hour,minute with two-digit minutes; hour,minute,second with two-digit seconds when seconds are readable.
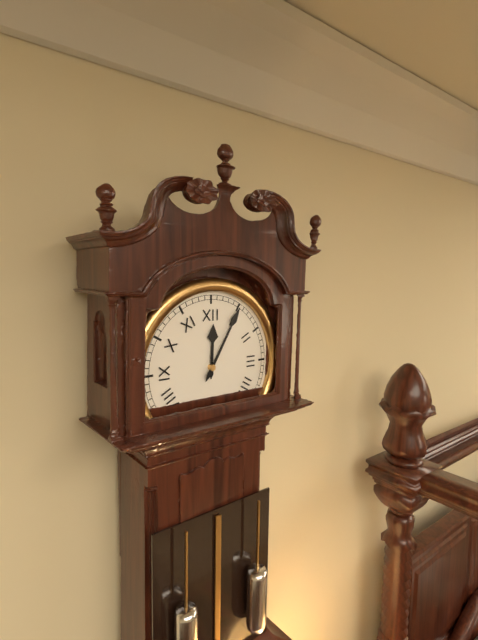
12,05
